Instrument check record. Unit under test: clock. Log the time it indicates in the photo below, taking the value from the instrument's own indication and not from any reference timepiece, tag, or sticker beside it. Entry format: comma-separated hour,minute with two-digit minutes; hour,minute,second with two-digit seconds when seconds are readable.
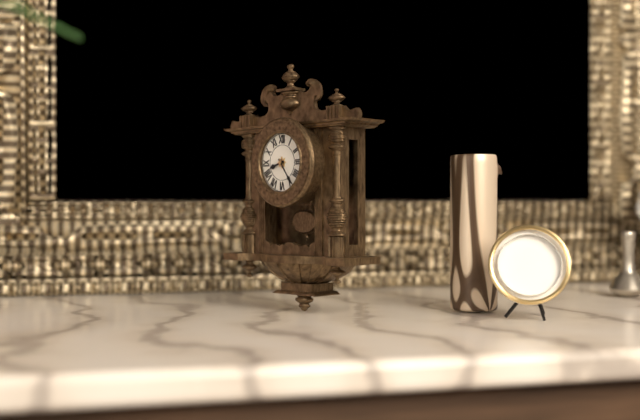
8,24
